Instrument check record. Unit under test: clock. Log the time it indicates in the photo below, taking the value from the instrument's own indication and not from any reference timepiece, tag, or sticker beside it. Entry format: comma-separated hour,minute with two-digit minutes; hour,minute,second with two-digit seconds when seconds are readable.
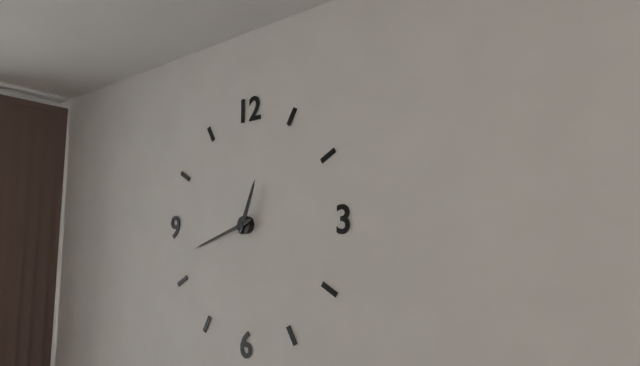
12,42
